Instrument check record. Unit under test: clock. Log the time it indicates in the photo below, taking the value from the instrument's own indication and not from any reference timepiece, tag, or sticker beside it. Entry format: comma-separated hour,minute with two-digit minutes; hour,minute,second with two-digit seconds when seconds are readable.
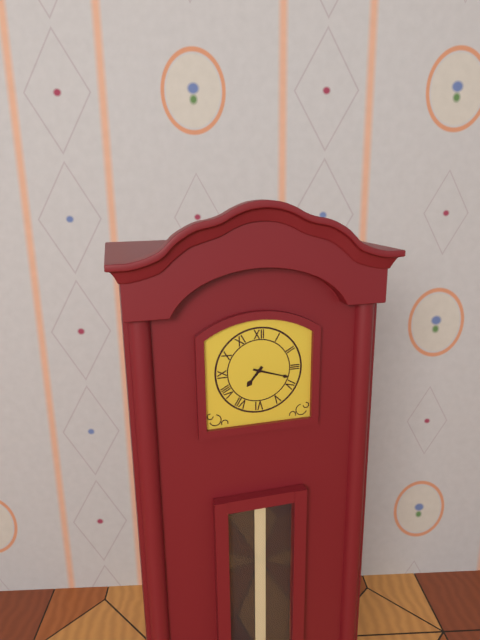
7,18
